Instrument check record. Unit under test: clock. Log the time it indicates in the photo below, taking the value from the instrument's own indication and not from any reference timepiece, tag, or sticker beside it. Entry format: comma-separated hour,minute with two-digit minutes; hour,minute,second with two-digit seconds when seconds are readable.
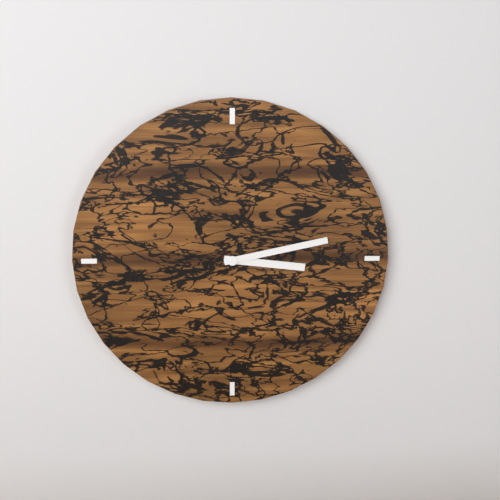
3,13
